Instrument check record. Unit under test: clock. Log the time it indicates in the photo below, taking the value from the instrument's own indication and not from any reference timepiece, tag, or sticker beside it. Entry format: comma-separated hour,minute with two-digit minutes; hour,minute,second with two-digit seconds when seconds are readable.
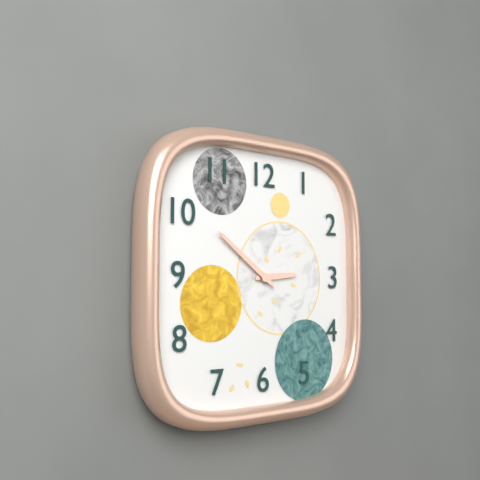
2,51
